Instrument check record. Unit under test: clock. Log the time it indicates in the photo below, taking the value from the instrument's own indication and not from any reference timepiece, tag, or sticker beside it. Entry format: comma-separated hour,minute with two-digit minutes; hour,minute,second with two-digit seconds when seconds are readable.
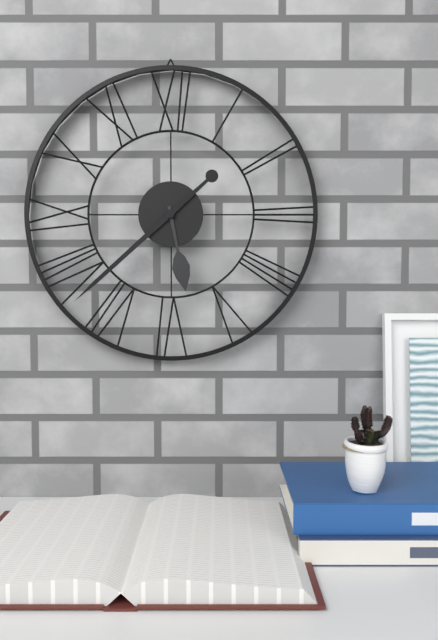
5,38
